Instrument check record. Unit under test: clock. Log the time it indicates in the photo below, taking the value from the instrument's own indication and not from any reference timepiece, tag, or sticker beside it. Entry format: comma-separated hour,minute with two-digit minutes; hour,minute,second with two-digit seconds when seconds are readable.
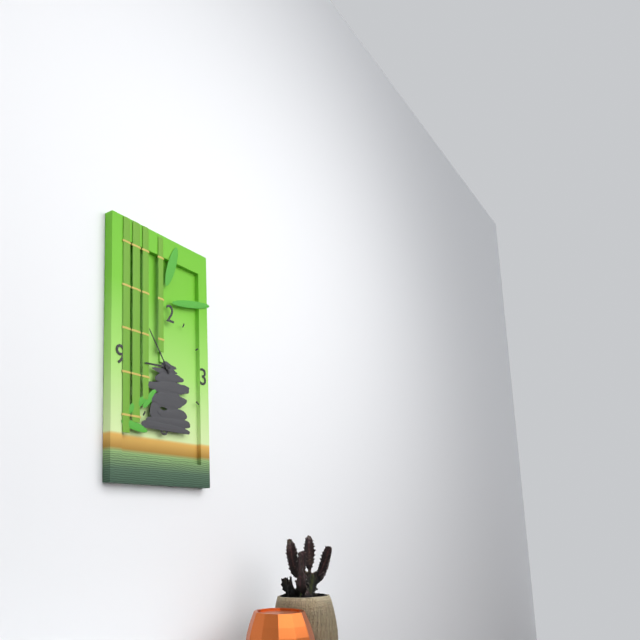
8,54
